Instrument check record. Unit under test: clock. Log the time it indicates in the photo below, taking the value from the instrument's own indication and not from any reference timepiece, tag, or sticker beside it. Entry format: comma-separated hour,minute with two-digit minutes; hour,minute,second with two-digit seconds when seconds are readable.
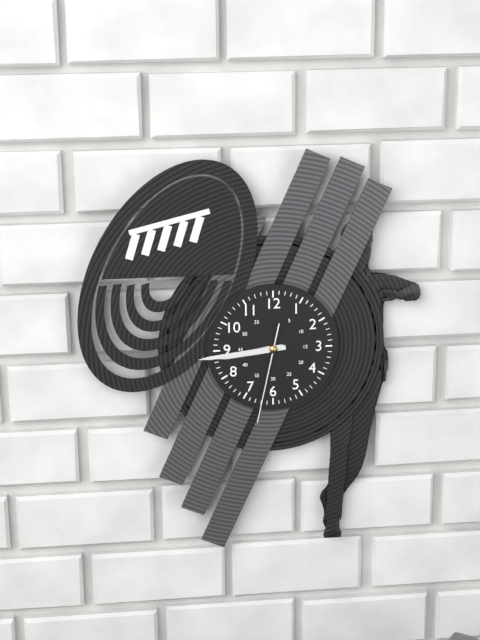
8,44,32
